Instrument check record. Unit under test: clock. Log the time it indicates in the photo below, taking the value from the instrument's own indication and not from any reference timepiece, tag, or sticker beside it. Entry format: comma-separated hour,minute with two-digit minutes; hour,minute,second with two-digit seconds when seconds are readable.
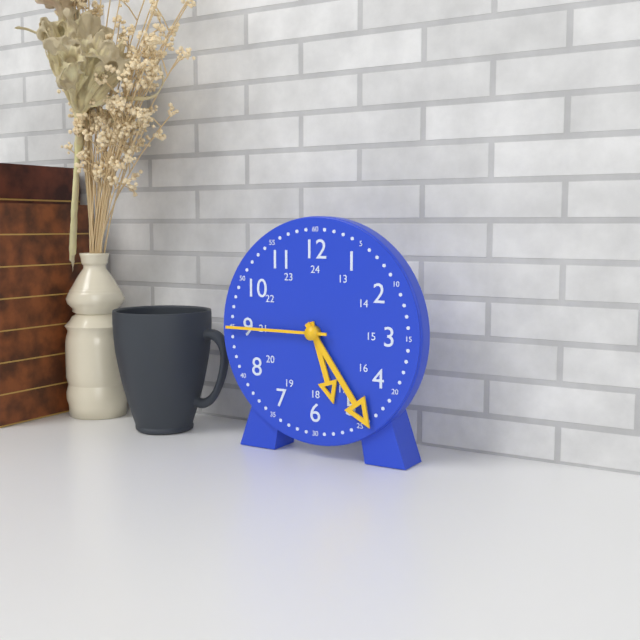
5,24,45
